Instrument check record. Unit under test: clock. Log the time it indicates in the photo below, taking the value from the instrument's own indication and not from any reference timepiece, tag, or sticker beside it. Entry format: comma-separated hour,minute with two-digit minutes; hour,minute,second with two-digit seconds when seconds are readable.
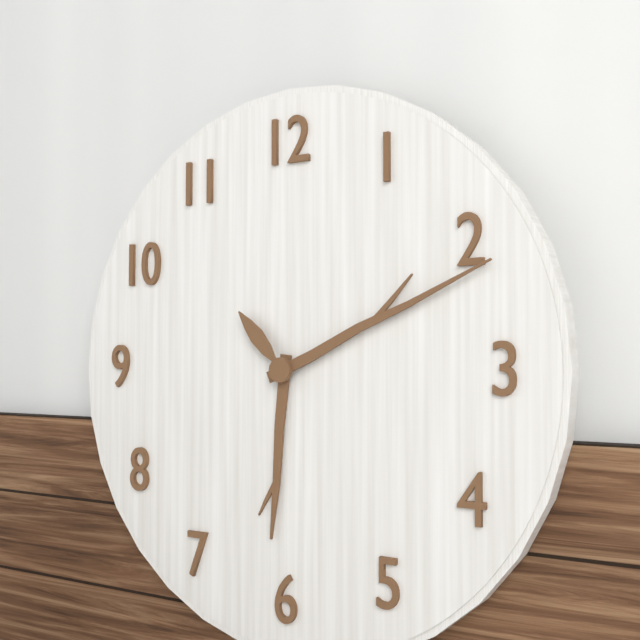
6,11,53
